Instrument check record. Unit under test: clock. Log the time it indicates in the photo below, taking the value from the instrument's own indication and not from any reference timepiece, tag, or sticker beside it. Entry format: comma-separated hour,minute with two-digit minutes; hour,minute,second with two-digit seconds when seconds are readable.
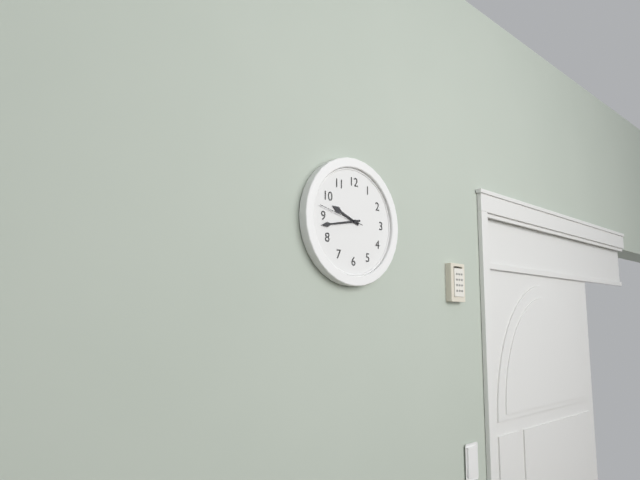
9,43
